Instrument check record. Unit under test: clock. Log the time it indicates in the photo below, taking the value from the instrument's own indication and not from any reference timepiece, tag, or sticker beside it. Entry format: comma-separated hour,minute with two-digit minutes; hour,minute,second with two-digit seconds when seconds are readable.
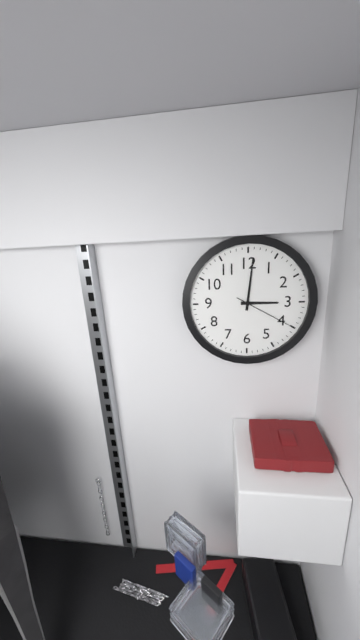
3,01,20
